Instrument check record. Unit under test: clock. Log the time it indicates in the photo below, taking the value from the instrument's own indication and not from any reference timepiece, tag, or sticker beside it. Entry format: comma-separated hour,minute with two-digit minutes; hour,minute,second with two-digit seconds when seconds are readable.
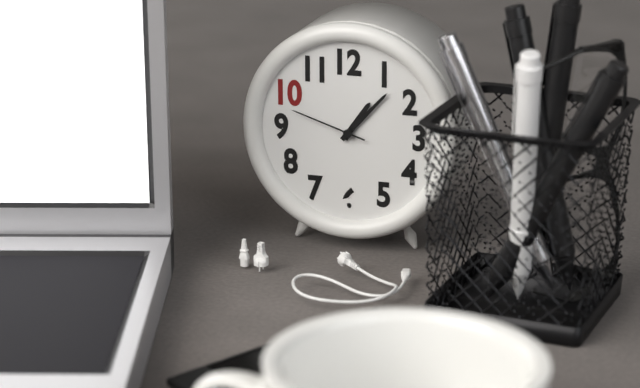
1,07,48
